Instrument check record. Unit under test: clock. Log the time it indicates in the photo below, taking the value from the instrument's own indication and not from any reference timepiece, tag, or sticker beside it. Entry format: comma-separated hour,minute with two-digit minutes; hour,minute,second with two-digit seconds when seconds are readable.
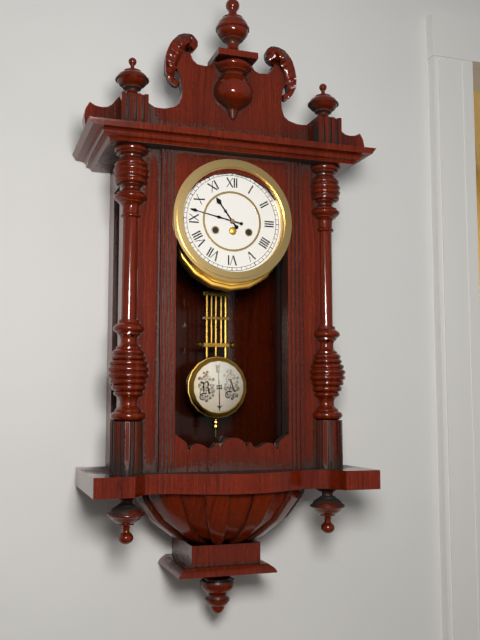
10,47
